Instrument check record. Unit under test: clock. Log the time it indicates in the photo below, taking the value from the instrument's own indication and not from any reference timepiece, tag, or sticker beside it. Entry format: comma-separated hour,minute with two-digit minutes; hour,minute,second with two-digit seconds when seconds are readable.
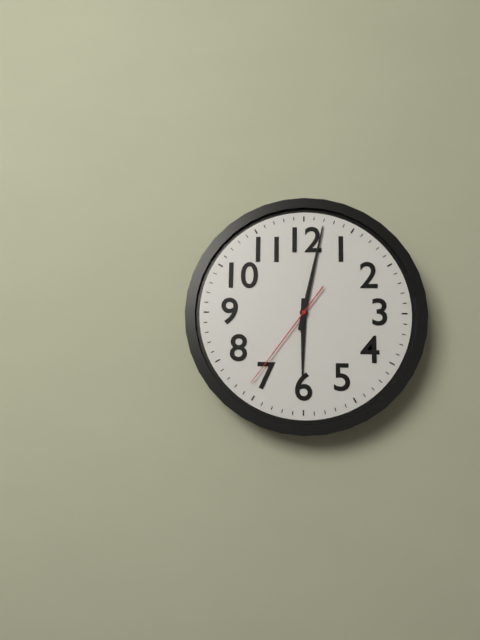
6,02,36
